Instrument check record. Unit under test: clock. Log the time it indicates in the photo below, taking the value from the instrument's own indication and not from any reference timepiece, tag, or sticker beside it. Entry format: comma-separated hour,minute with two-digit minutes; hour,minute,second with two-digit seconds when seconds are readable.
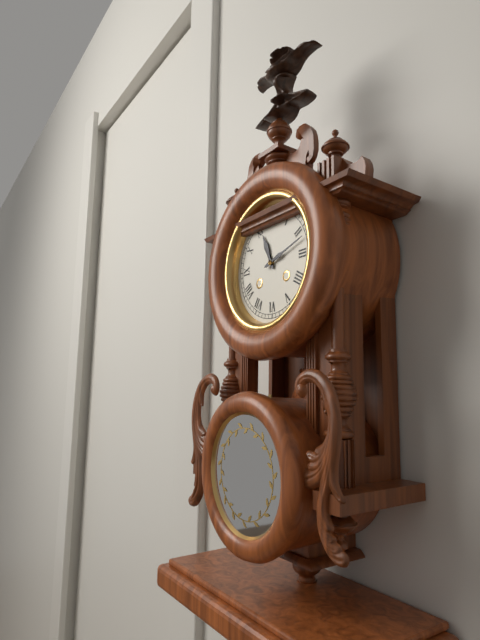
11,12
